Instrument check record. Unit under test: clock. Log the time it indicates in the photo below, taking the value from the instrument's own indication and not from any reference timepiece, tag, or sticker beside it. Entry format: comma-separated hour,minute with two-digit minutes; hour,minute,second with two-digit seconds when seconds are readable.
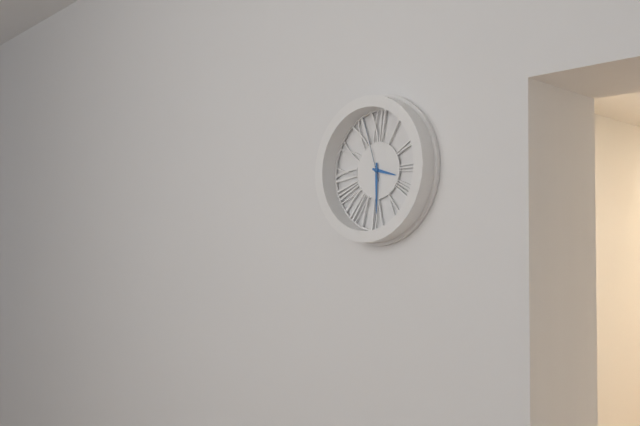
3,30,57
